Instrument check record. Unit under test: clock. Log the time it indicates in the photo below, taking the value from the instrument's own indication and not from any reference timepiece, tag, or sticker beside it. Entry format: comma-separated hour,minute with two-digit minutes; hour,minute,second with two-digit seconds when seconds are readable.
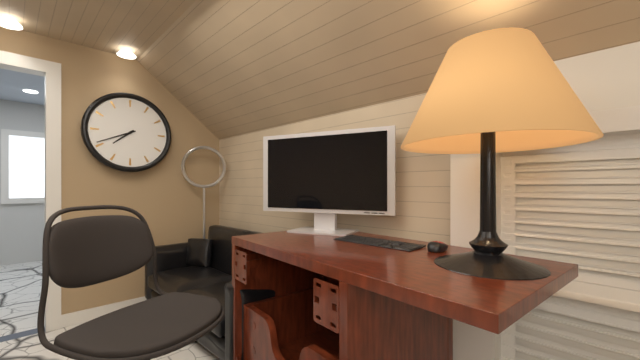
7,41
